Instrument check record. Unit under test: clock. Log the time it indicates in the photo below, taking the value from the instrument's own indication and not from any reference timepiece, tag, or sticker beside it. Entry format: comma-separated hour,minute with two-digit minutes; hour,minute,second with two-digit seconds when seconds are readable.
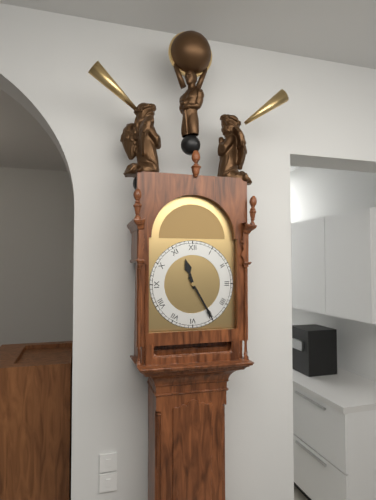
11,25
